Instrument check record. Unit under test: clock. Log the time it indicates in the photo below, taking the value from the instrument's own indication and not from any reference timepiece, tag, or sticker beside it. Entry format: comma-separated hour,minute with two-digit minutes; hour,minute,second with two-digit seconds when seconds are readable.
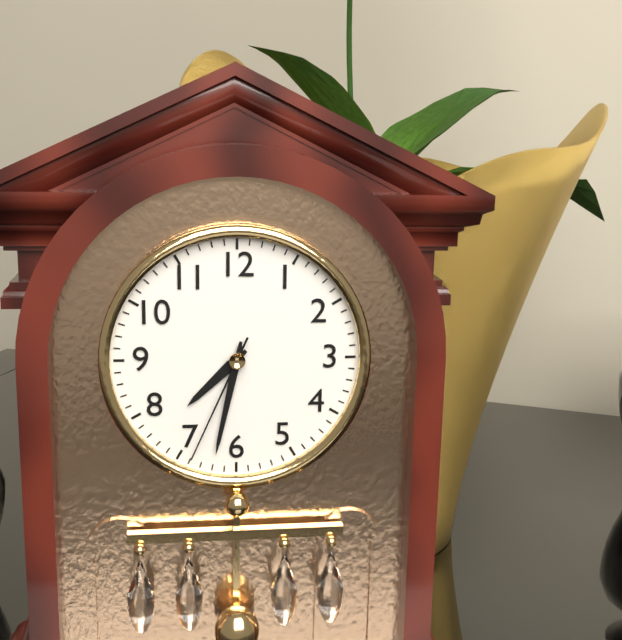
7,32,34
